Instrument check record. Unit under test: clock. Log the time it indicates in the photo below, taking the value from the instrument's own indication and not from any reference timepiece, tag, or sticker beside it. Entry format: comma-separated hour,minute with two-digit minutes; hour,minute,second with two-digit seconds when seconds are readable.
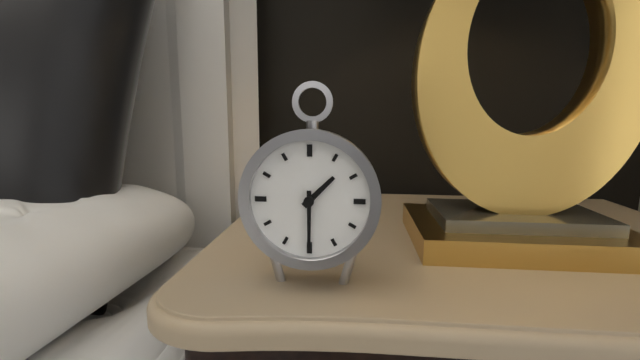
1,30
